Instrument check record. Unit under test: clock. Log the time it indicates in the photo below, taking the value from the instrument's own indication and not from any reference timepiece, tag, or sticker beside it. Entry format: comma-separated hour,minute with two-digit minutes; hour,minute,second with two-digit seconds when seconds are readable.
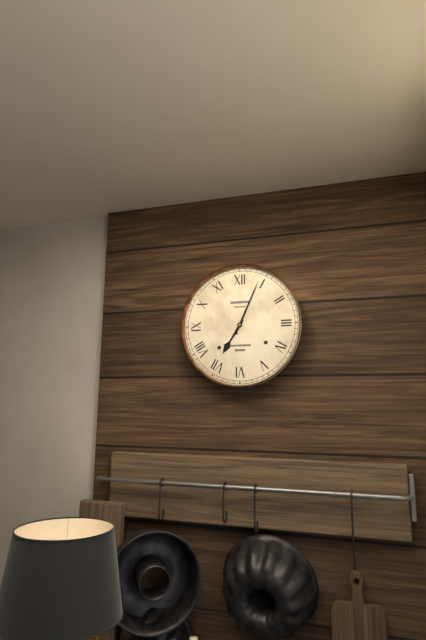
7,04
